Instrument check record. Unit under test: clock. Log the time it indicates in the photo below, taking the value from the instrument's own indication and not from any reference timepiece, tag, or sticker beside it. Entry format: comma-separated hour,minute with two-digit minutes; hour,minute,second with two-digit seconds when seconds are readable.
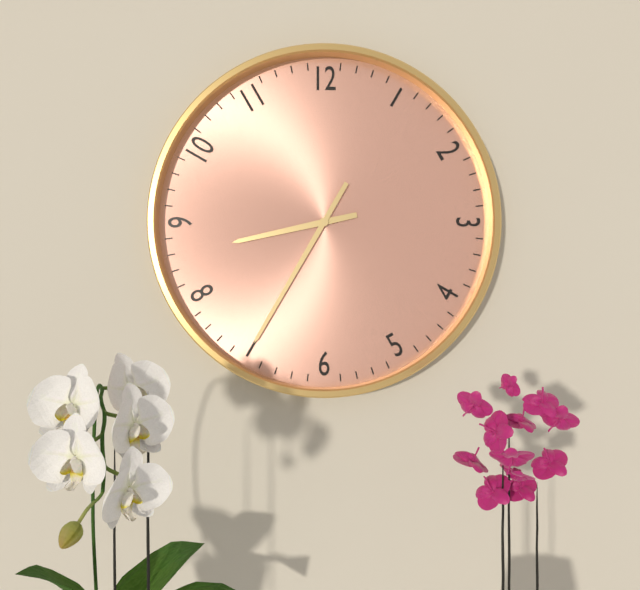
8,35
